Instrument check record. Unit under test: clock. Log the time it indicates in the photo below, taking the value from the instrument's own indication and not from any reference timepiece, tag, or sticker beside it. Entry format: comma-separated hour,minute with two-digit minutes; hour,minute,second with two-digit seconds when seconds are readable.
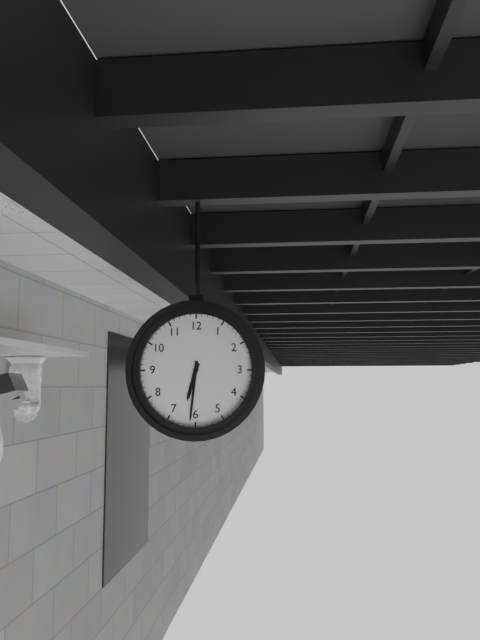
6,31
